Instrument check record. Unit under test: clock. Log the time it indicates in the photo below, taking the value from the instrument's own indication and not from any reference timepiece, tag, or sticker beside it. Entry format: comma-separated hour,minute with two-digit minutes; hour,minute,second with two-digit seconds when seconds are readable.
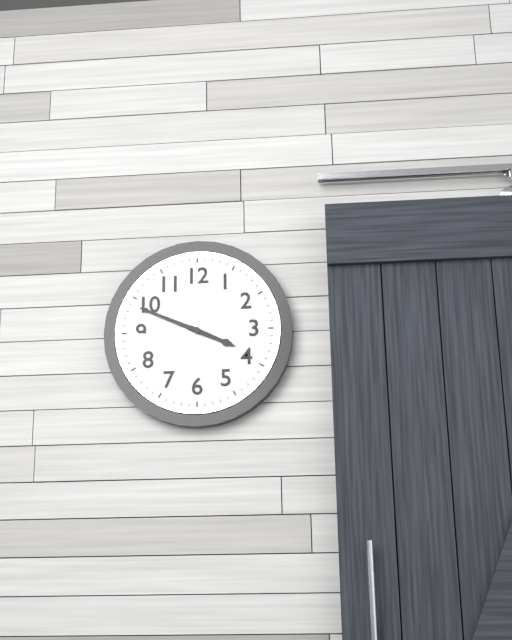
3,49
